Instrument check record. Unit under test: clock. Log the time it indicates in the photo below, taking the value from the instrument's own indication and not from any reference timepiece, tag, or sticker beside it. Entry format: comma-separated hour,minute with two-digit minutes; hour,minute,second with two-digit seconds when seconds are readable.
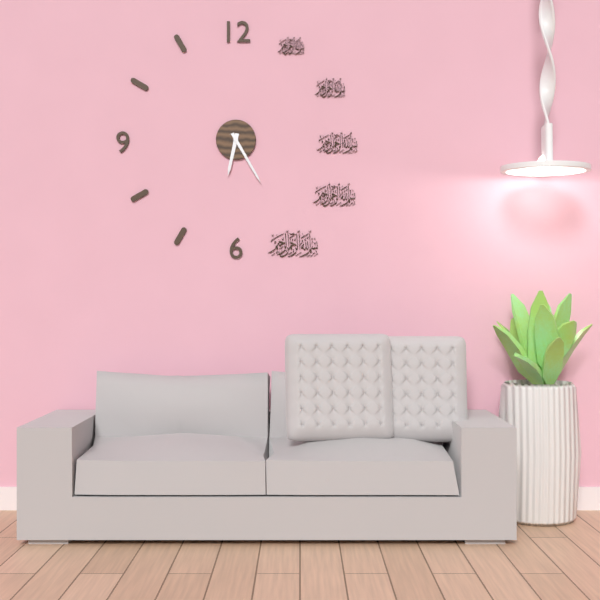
6,25
